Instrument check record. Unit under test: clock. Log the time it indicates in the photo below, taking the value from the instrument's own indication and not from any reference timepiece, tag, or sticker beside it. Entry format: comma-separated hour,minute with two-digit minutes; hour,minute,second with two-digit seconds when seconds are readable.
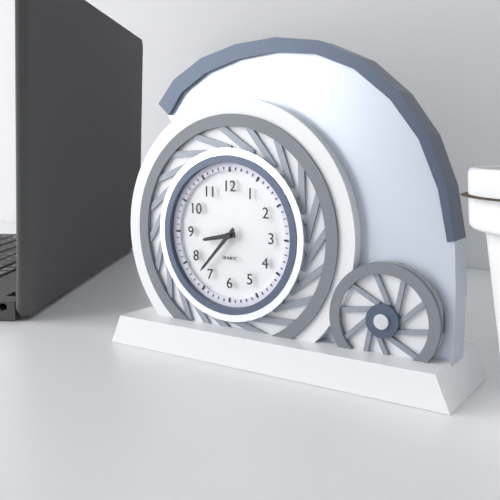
8,37
